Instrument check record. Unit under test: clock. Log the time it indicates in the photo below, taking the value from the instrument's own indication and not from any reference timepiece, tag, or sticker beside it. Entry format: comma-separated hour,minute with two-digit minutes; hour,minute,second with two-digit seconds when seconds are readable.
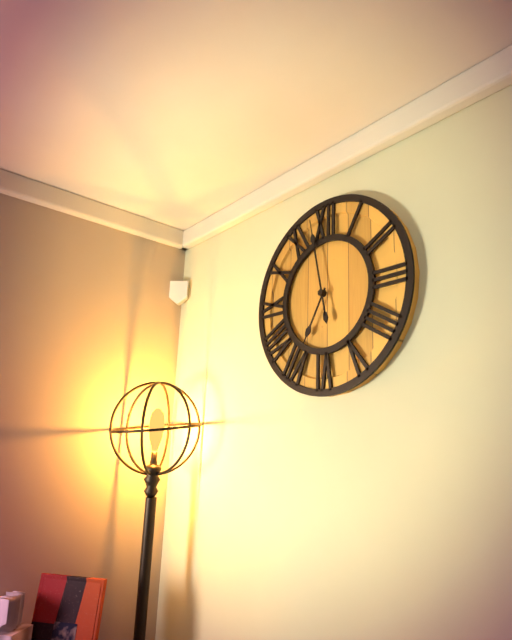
6,58
